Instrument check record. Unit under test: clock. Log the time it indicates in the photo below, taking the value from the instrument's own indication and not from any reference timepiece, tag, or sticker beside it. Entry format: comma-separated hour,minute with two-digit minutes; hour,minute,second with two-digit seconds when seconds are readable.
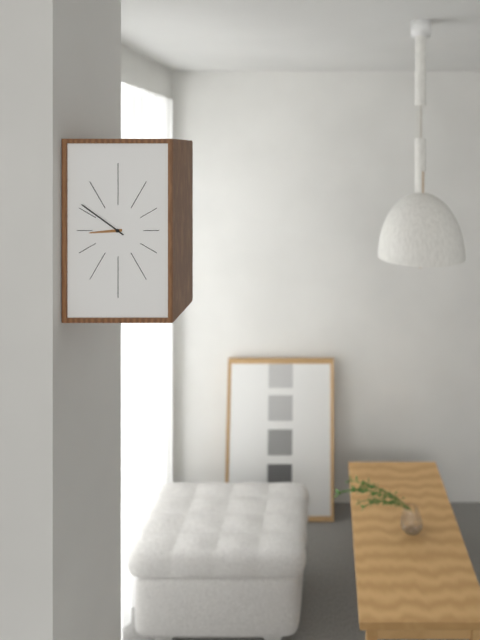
8,51
